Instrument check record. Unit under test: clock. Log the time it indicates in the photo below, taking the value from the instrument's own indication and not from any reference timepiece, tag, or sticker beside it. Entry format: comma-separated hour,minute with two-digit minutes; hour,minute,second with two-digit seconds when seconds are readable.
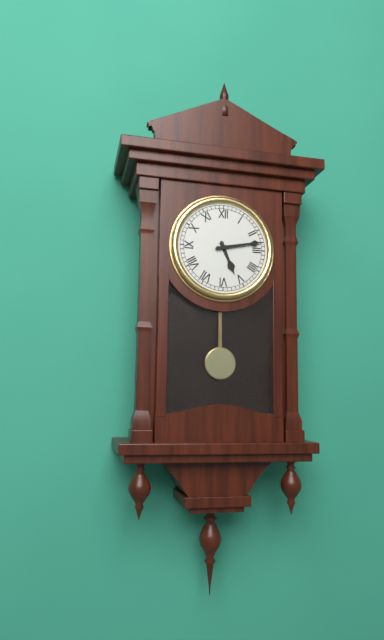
5,13
